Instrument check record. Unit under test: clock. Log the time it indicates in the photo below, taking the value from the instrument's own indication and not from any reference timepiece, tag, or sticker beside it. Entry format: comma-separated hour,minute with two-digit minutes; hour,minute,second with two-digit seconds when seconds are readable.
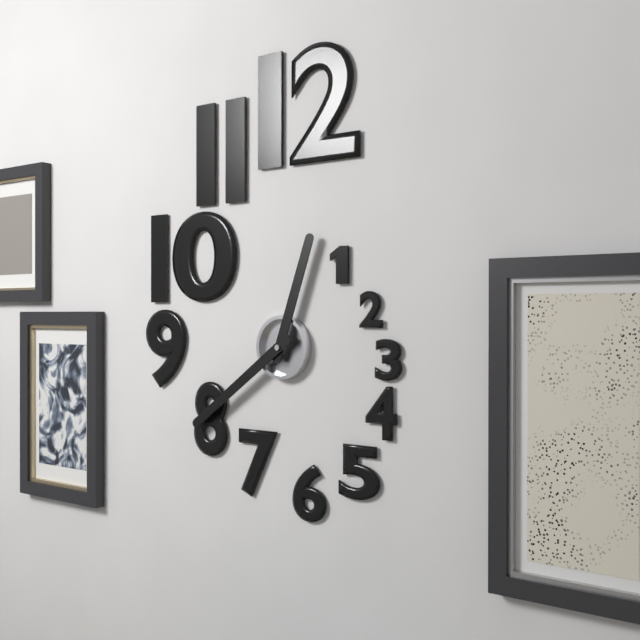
12,39
